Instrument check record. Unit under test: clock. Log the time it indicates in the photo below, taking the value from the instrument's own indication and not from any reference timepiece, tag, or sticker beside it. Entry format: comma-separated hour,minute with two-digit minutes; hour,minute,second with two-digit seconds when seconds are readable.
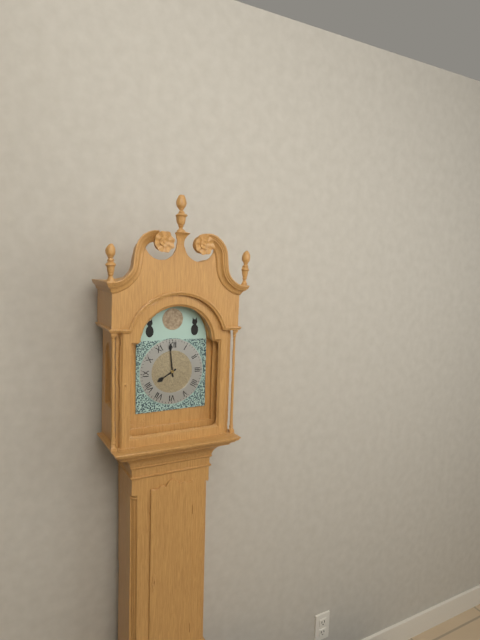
7,59
